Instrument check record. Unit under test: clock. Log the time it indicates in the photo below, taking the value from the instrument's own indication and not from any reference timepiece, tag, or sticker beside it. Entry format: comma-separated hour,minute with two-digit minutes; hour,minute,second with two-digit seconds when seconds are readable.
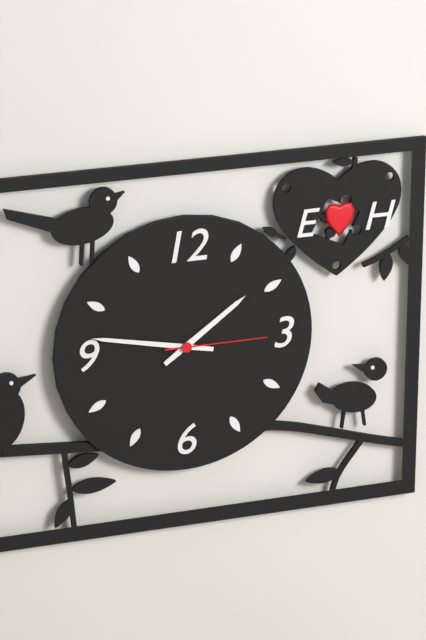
1,47,15
